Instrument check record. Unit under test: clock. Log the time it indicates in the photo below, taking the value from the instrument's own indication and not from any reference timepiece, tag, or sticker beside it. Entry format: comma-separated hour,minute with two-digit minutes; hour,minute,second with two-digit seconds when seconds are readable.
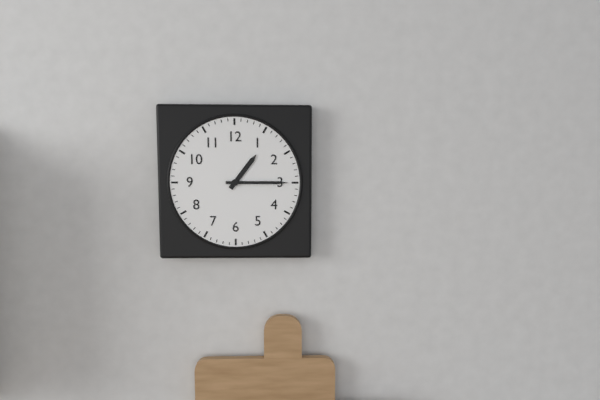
1,15
